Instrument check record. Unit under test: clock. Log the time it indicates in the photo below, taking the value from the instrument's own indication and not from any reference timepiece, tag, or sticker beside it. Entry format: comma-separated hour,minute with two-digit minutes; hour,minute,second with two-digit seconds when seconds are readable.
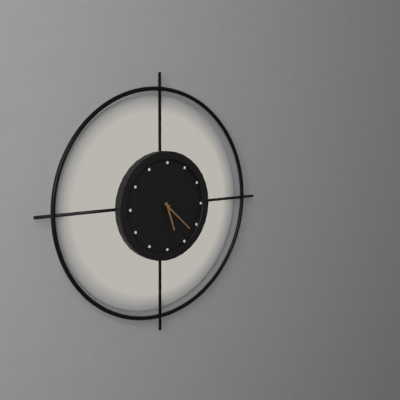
5,22
